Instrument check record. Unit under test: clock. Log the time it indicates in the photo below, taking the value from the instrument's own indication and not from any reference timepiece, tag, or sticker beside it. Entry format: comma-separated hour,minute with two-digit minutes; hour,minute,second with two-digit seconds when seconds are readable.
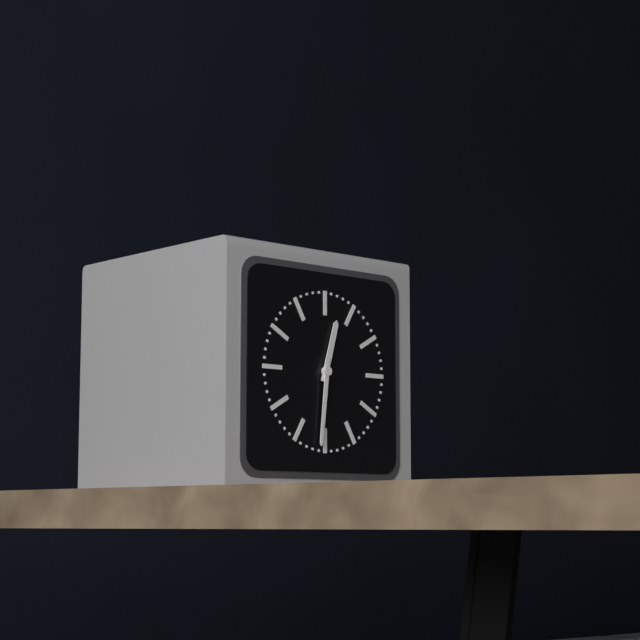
12,31
